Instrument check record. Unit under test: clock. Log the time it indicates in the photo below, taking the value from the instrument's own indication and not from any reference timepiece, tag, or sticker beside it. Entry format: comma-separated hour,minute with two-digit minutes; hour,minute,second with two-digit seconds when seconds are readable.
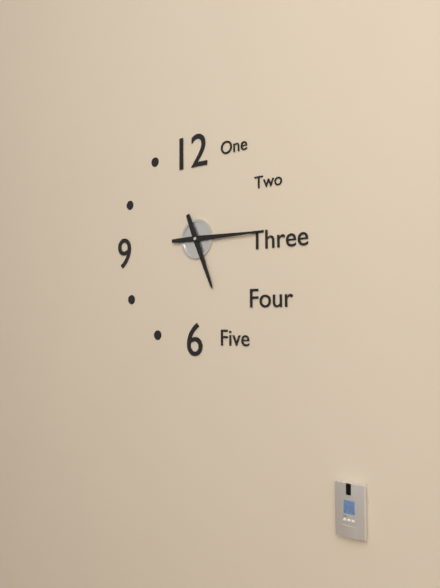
5,15
